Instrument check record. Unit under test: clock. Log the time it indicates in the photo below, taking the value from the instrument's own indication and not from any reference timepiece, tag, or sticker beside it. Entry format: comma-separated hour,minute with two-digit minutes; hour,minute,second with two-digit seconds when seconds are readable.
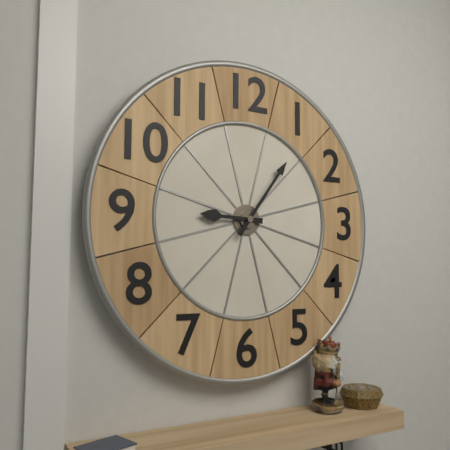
9,06
